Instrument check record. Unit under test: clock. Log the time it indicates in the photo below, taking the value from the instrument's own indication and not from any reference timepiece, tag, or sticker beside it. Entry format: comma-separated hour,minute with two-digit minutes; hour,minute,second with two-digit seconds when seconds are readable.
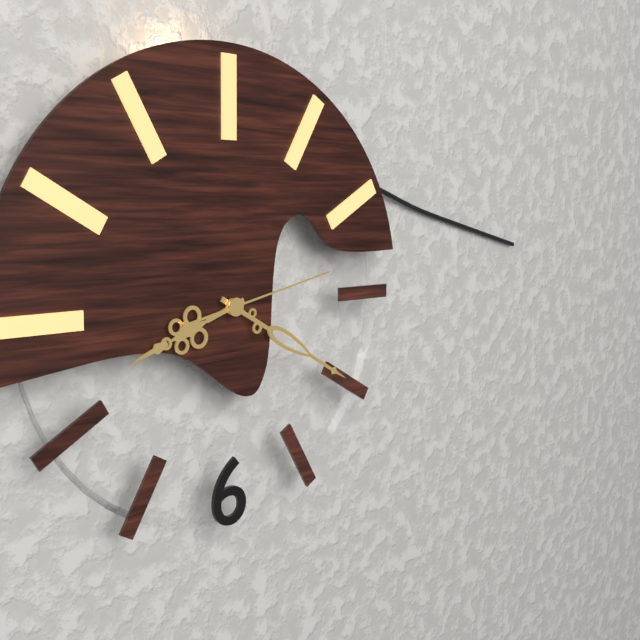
8,20,13
